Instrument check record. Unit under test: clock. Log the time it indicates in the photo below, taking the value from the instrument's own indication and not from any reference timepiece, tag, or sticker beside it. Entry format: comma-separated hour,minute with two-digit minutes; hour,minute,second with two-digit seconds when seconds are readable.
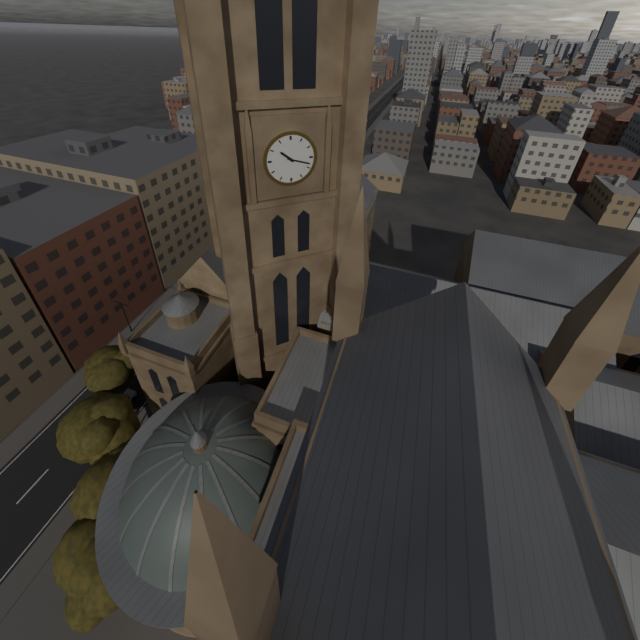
10,18
